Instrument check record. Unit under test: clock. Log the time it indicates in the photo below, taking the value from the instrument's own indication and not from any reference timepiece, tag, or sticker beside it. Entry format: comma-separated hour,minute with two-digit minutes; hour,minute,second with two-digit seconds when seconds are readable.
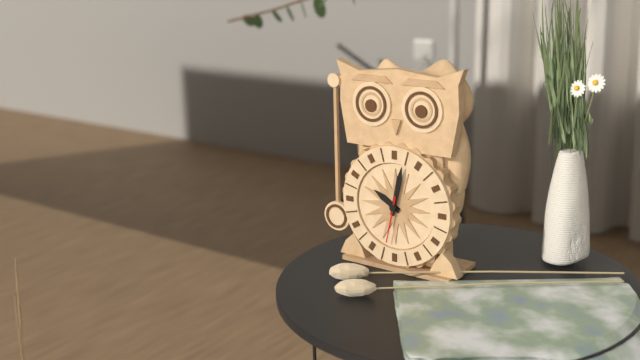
10,02
